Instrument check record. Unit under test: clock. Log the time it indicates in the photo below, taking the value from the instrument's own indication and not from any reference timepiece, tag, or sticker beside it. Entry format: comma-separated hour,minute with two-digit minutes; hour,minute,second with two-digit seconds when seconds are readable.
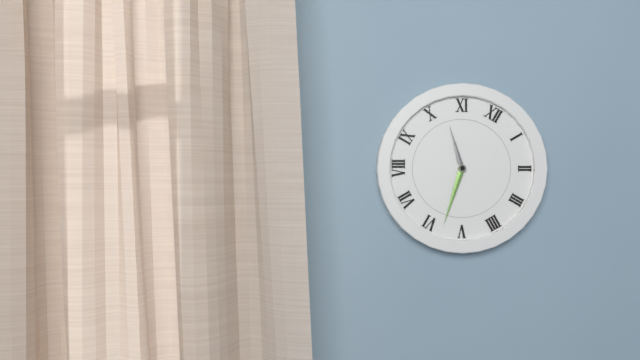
10,28
